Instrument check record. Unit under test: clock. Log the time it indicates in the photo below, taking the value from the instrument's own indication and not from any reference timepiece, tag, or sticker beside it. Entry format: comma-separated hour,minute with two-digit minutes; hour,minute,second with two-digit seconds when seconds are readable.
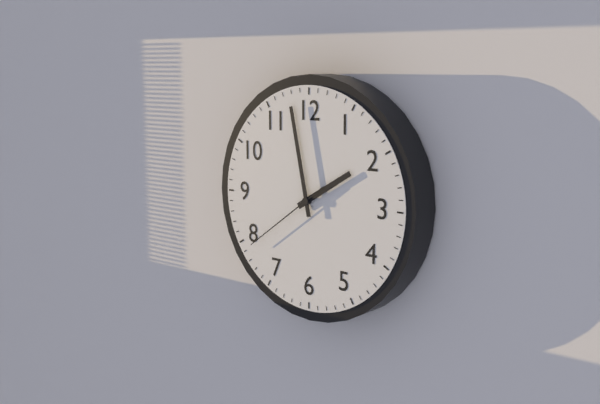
1,58,39
